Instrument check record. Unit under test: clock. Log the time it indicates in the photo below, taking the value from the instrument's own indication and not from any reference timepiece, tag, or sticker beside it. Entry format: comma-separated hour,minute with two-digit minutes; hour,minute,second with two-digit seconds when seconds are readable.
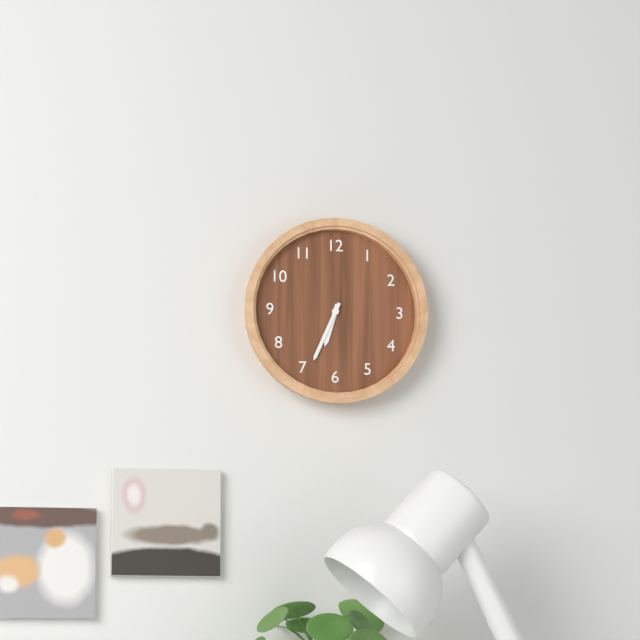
6,34
